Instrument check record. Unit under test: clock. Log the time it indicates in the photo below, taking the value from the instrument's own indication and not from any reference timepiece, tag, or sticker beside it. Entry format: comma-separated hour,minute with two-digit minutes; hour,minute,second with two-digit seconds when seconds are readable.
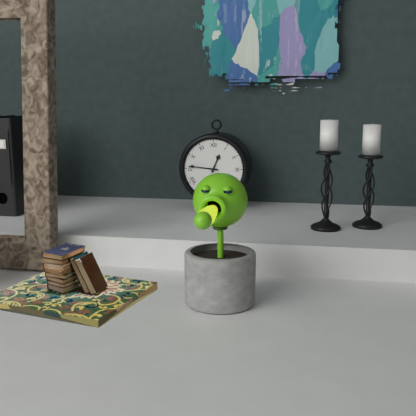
12,46
